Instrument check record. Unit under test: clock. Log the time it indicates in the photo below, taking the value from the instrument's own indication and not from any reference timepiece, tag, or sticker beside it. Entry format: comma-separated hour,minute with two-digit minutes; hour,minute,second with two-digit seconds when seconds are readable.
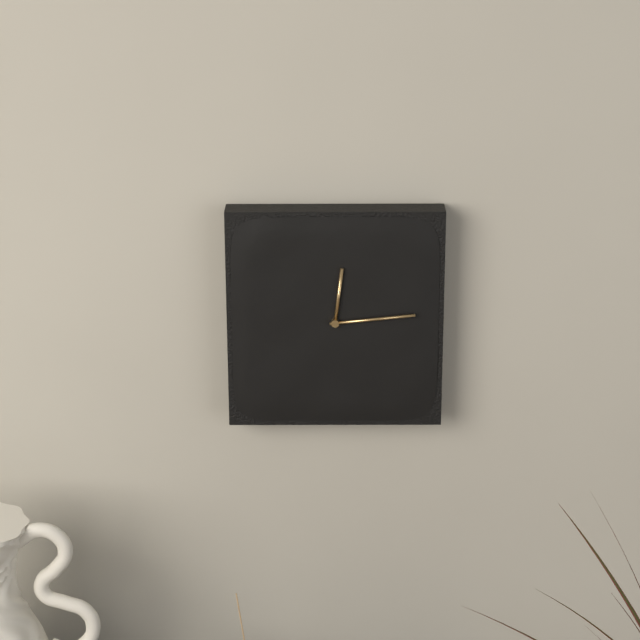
12,14
